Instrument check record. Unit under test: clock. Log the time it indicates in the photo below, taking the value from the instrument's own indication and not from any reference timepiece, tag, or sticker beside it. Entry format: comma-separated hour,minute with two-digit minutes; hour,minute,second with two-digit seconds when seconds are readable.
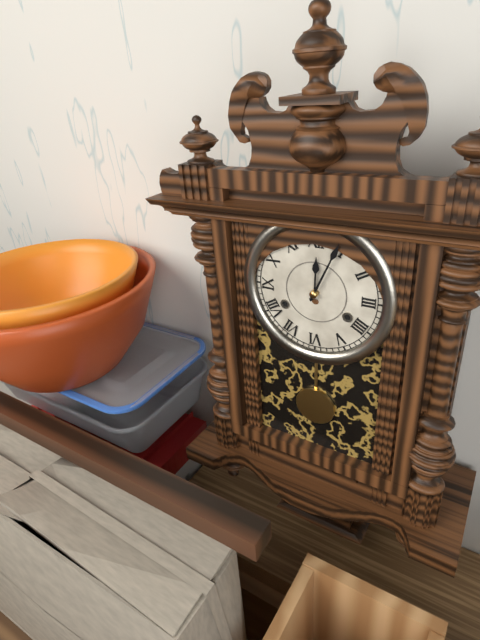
12,04
